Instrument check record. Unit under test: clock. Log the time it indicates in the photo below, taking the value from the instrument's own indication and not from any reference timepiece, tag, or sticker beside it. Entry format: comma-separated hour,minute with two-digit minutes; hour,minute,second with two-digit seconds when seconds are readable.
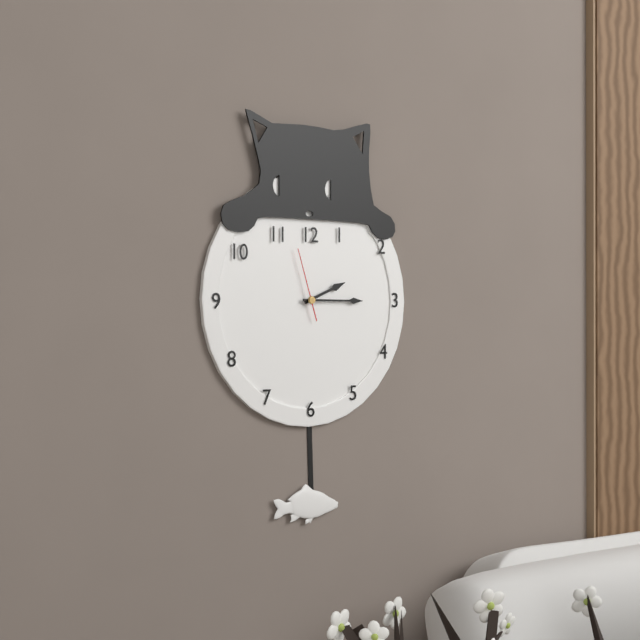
2,15,57
